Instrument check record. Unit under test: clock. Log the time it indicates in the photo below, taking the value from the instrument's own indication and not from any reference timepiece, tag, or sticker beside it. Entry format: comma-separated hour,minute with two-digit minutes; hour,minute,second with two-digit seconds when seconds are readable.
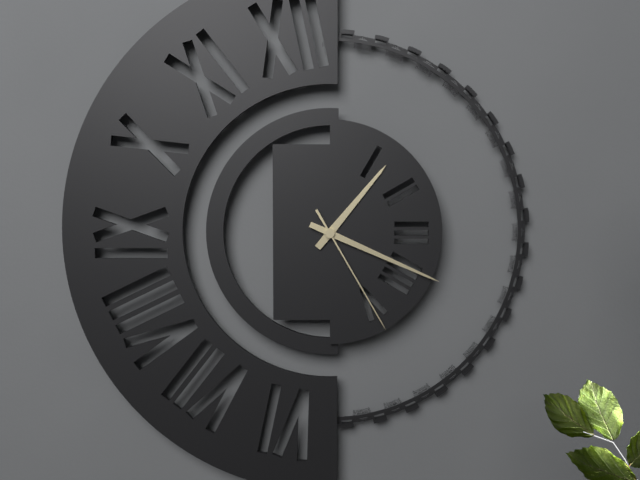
1,19,25
